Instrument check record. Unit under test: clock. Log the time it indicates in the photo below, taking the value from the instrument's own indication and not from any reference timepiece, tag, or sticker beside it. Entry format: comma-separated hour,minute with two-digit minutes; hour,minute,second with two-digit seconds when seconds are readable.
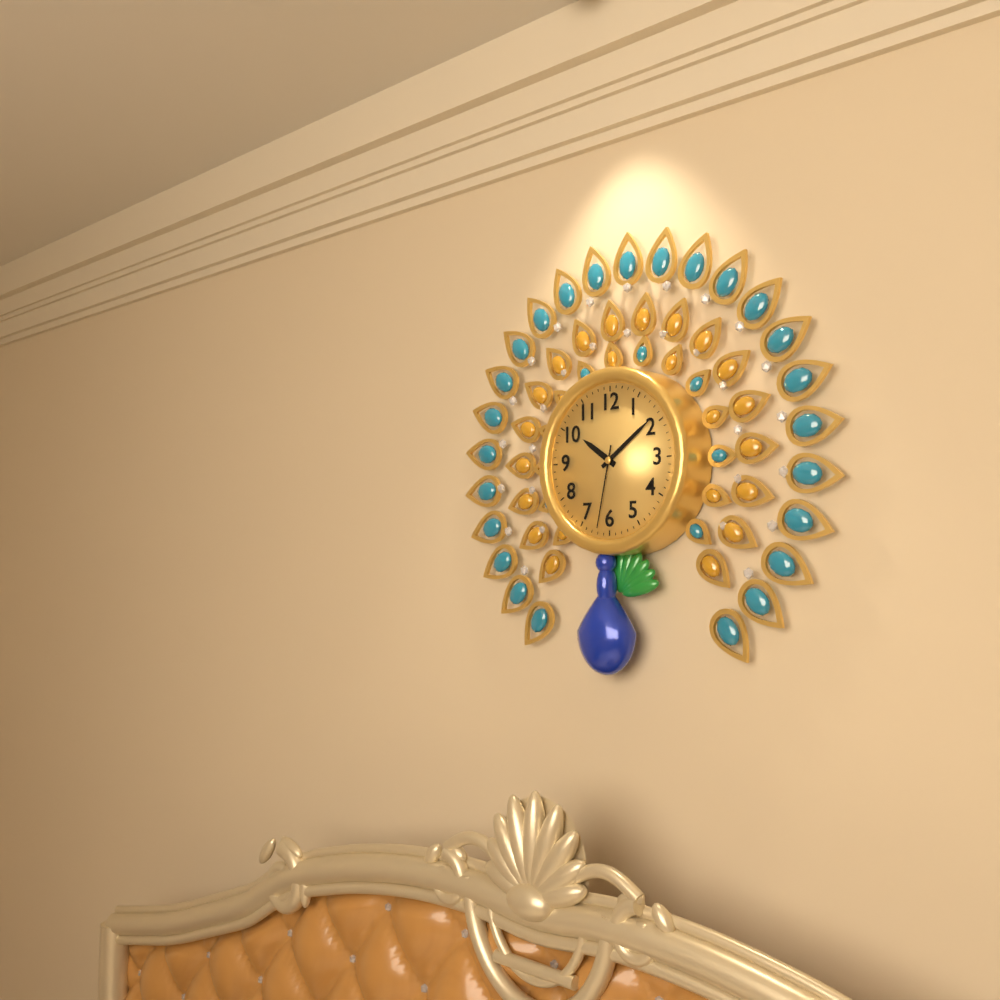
10,09,32
